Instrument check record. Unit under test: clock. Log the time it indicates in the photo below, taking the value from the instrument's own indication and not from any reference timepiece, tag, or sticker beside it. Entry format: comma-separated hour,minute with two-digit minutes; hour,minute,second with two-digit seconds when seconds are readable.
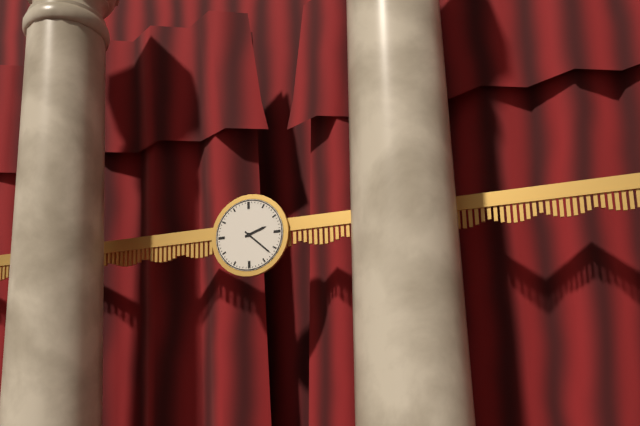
2,22
